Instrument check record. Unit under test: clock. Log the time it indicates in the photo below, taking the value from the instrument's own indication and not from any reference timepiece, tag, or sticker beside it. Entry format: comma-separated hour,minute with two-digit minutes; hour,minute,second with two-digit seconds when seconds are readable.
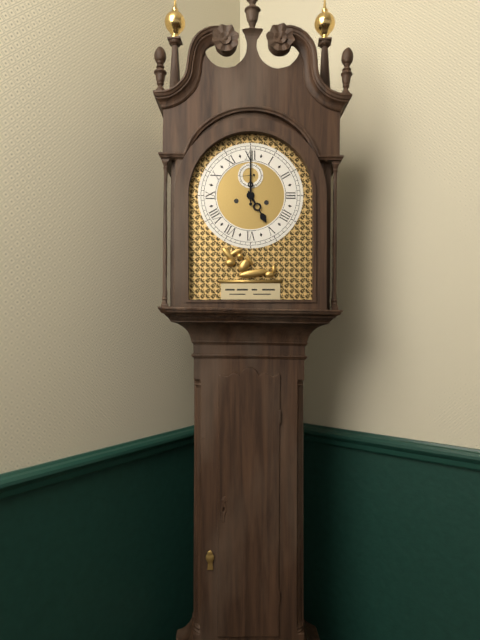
5,00
